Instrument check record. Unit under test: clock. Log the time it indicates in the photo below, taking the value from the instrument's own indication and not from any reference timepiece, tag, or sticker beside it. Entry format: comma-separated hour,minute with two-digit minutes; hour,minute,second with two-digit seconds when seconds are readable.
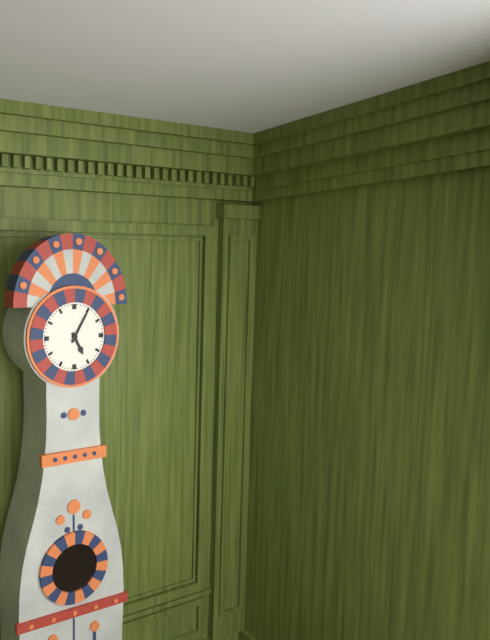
5,05
